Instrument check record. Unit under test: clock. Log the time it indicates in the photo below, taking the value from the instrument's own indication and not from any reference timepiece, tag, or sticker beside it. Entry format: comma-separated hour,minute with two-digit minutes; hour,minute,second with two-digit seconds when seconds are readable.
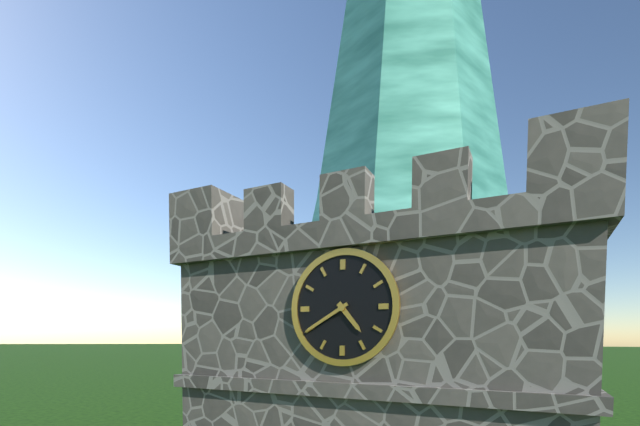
4,40
